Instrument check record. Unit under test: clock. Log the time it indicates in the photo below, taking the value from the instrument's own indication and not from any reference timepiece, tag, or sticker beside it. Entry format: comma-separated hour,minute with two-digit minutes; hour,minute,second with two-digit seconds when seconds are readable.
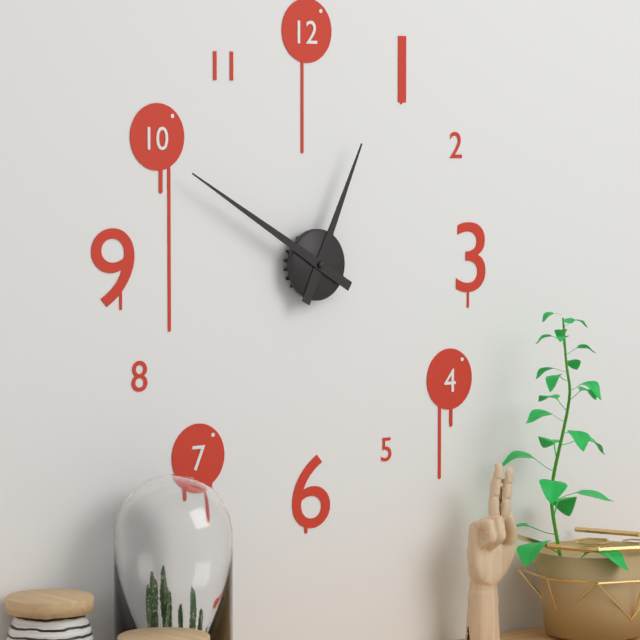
12,50
